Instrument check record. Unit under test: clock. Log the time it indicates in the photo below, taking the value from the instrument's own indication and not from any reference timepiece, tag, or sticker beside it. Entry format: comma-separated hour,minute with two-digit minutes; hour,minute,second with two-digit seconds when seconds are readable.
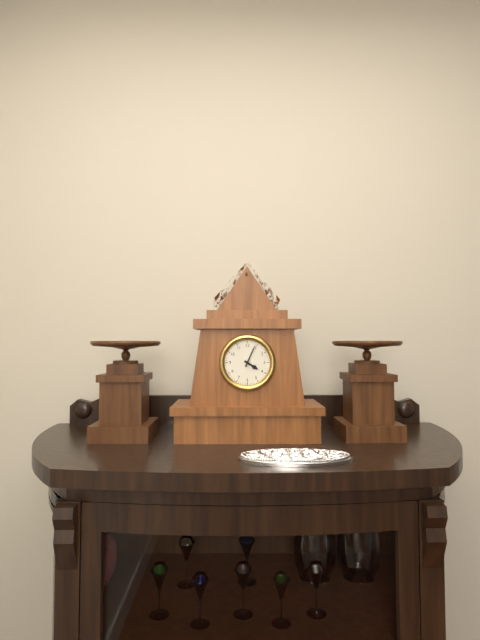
4,04
